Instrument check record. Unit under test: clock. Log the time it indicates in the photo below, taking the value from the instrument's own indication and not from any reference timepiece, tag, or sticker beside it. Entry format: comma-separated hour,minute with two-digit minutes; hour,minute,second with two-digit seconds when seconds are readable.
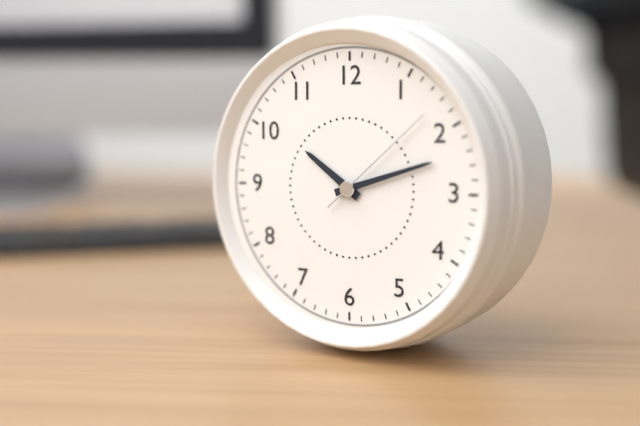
10,12,08
